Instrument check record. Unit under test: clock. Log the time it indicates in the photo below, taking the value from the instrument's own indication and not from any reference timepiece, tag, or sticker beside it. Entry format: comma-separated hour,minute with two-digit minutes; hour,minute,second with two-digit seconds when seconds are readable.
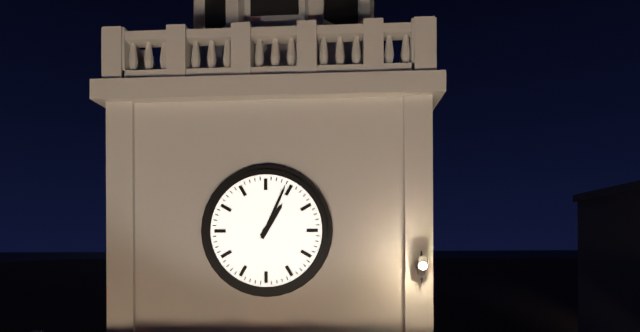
1,04
